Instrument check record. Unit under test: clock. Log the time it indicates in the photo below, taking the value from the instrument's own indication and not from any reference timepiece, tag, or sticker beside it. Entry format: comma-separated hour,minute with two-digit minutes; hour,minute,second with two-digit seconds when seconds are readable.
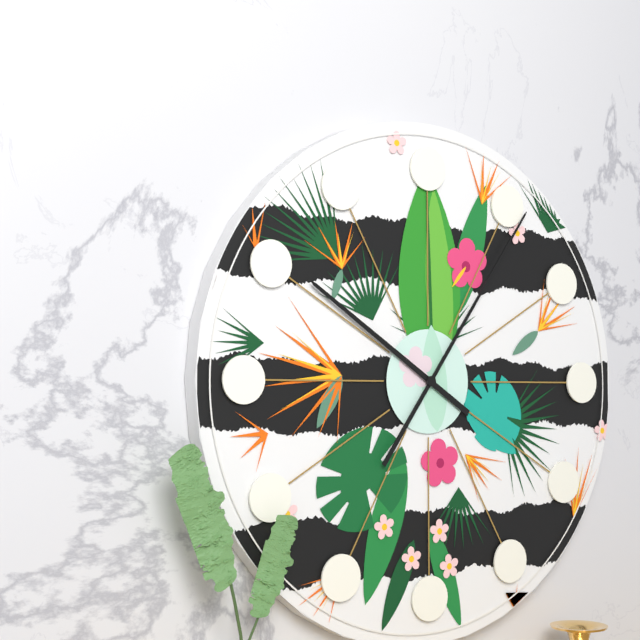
10,06
